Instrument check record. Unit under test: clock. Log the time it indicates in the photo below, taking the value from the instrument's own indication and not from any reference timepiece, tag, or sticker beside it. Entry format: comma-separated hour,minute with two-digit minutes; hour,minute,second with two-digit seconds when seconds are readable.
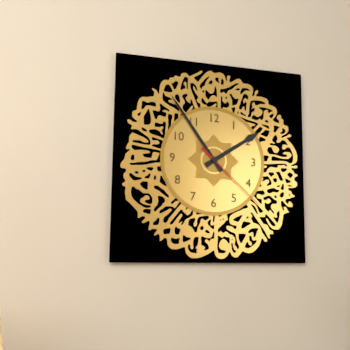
1,54,22
